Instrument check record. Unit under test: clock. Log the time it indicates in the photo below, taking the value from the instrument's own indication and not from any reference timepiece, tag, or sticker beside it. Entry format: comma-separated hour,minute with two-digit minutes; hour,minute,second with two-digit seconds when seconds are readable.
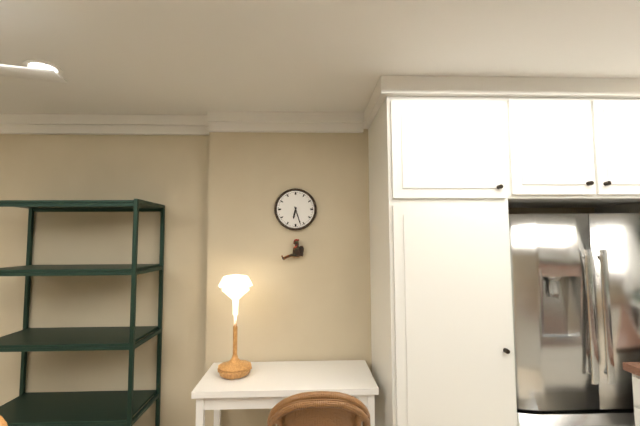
6,27
